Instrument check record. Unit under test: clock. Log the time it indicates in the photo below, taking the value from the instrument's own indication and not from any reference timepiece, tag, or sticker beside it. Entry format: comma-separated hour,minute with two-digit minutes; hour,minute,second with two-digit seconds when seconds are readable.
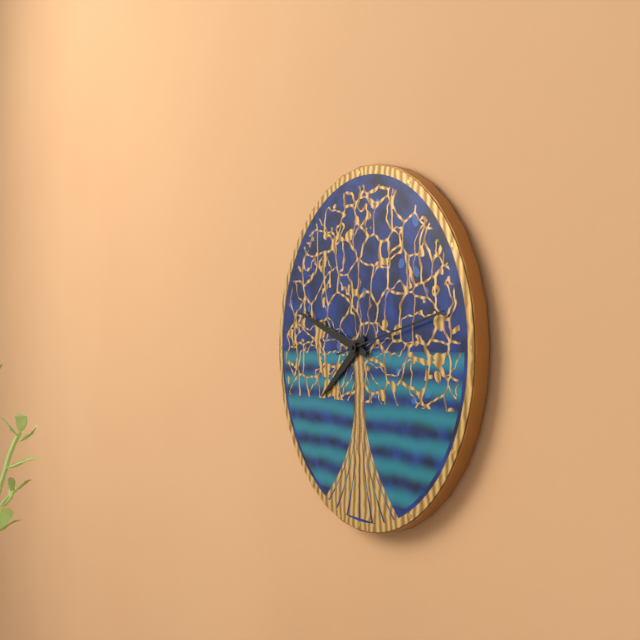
7,48,13
